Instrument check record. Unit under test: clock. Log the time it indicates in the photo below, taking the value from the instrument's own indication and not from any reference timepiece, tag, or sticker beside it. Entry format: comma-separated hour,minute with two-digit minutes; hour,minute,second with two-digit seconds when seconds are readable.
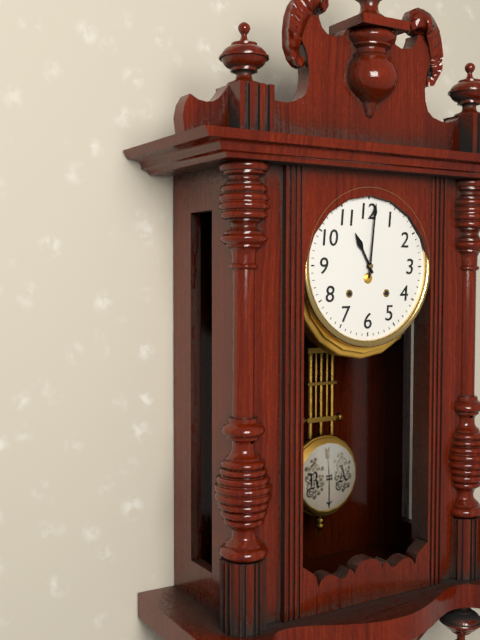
11,01
